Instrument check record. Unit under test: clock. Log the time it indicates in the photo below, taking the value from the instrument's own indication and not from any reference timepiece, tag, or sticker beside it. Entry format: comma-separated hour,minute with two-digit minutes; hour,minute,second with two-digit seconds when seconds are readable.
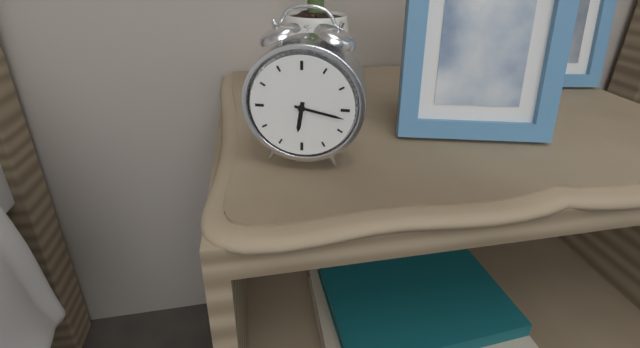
6,17
